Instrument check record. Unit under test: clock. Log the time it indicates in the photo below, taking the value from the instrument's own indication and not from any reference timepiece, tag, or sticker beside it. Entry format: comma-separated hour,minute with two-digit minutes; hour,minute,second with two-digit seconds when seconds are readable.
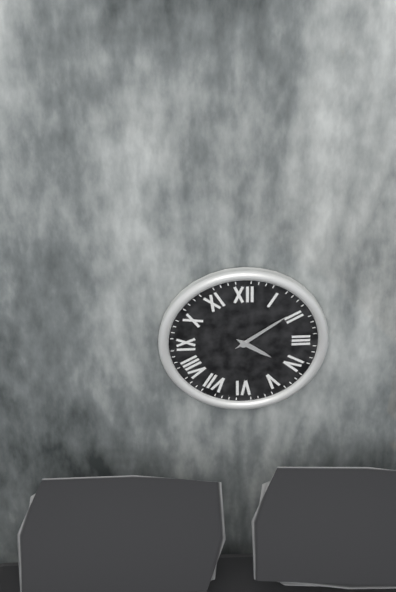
4,09
